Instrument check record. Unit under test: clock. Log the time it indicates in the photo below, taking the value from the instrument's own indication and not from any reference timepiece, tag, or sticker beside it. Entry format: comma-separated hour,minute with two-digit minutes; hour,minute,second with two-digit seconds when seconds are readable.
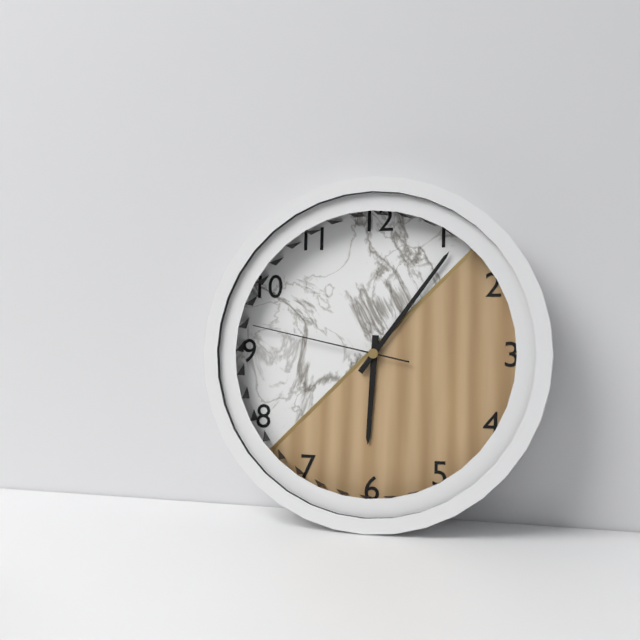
6,06,47
